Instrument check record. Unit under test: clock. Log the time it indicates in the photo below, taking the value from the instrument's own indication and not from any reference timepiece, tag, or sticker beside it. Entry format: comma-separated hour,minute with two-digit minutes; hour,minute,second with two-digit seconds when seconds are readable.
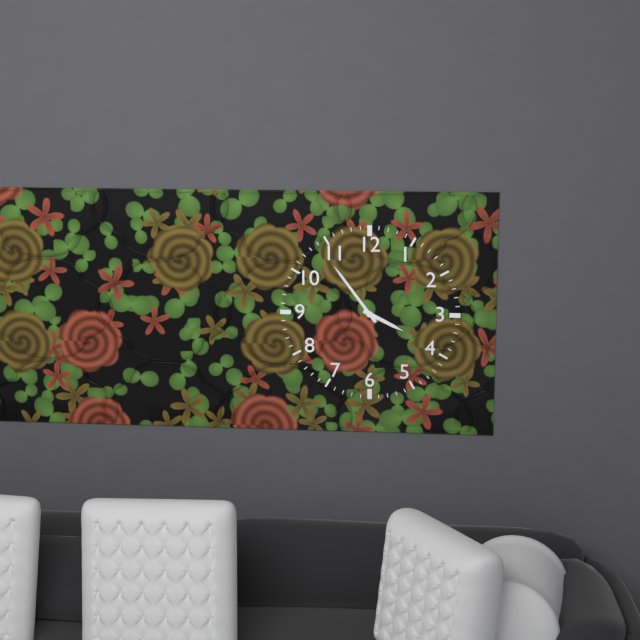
3,54
